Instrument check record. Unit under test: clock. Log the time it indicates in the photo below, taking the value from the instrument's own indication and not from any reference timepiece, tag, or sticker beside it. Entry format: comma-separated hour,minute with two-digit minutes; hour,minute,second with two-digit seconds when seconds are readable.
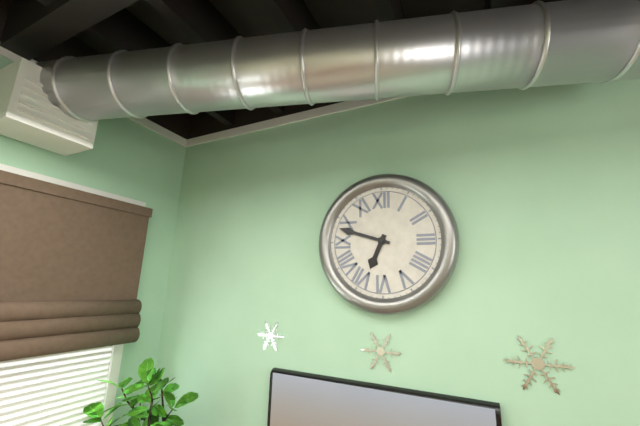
6,48
